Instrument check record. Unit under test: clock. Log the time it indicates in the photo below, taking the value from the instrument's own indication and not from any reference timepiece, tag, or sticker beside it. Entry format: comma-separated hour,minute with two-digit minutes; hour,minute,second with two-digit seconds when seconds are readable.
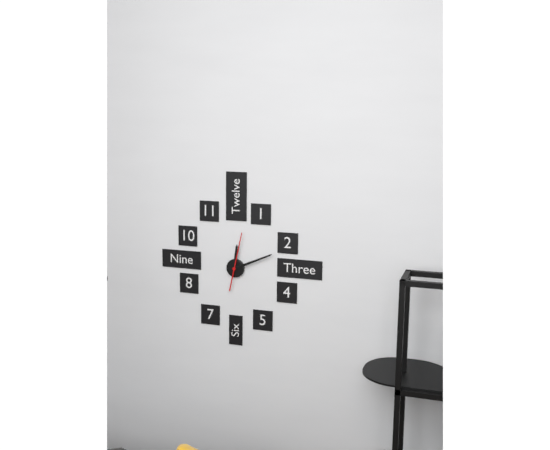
12,11
